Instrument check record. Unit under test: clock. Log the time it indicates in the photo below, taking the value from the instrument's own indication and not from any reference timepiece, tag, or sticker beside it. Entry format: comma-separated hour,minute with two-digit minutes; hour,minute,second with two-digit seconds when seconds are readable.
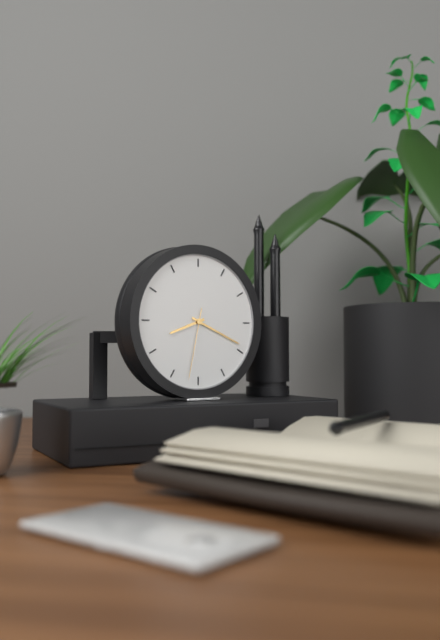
8,19,32
